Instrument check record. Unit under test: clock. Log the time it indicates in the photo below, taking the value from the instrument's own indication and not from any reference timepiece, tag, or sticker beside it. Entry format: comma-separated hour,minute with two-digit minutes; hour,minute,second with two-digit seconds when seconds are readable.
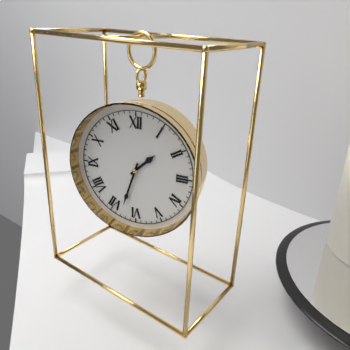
1,33
